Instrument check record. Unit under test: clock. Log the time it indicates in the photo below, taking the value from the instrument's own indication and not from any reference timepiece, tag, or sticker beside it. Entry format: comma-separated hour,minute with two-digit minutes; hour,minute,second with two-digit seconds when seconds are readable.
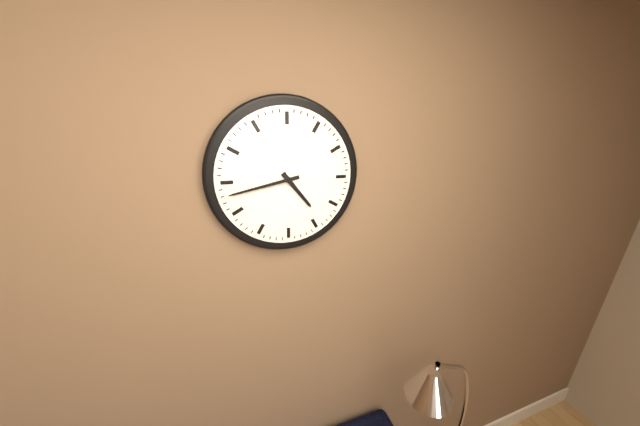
4,43
